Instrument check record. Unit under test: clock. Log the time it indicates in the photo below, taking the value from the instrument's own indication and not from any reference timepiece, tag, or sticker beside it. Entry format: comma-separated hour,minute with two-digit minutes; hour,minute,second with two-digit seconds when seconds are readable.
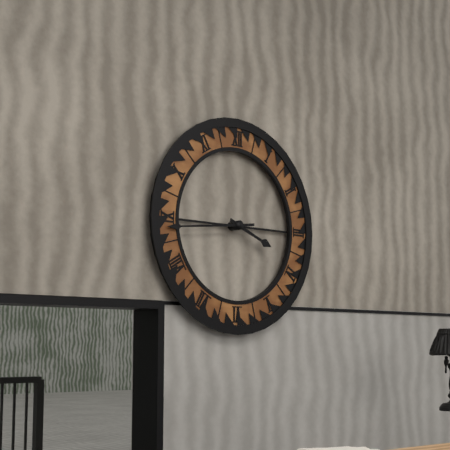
3,44
